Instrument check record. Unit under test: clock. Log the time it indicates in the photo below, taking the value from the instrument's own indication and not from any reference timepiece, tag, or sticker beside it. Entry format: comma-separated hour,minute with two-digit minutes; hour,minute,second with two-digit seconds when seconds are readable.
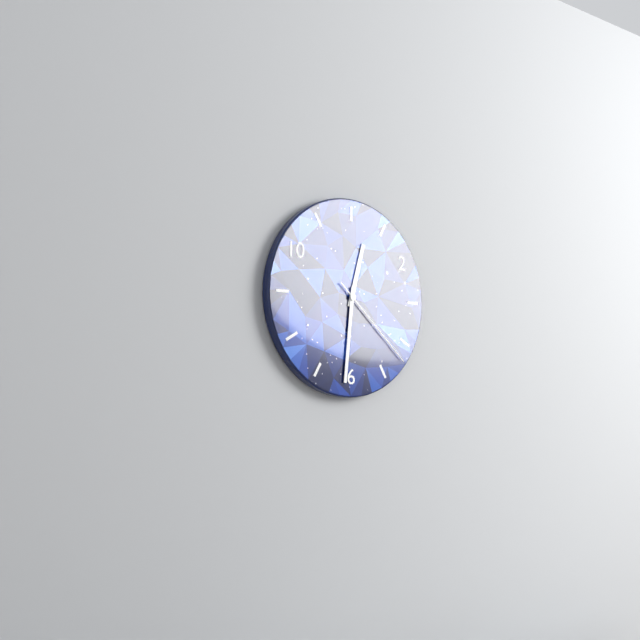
12,31,22
